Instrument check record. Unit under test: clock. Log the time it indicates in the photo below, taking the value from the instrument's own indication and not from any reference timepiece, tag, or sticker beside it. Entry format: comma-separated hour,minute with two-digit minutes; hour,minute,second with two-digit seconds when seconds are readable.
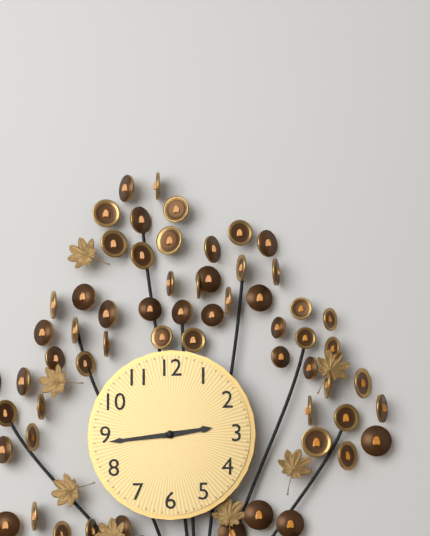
2,44
